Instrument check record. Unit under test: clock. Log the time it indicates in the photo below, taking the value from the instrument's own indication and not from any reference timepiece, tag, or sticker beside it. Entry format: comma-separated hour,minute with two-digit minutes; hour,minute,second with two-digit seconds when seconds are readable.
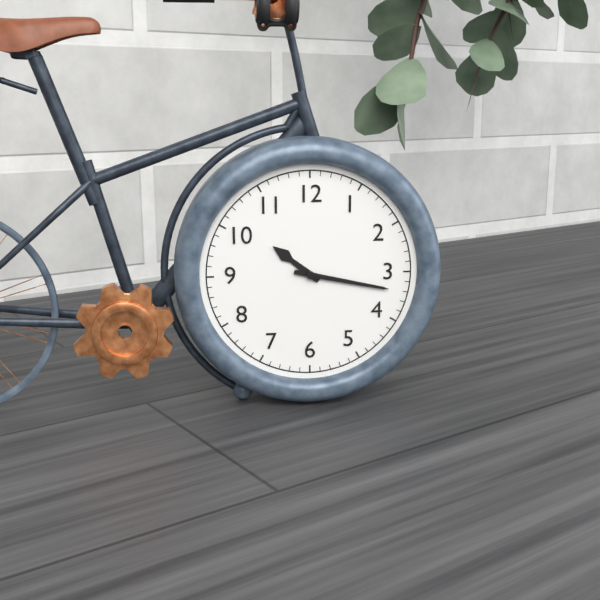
10,17
